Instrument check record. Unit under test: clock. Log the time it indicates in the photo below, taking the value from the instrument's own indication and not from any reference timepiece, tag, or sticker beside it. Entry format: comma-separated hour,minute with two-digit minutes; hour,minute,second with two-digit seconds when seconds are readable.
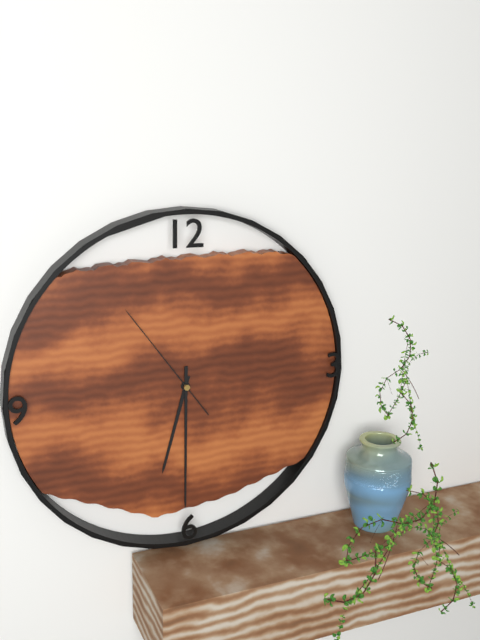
6,30,54
